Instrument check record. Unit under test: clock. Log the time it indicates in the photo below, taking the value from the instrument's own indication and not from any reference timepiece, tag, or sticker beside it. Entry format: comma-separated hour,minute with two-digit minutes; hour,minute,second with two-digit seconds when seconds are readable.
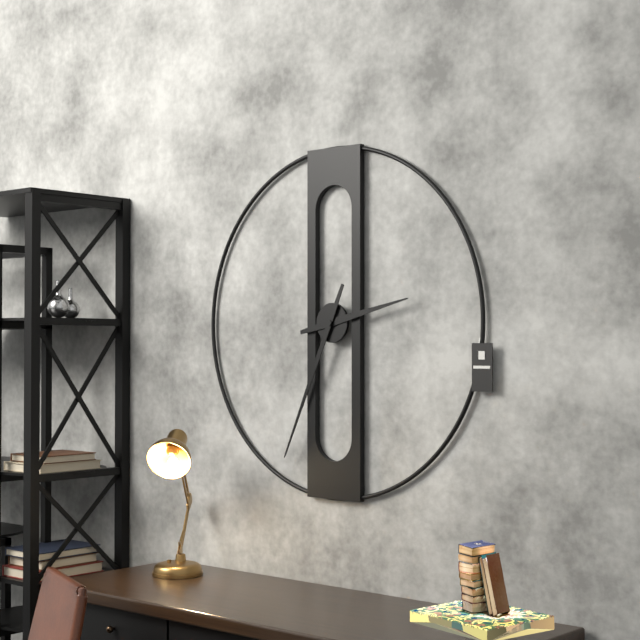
2,34
